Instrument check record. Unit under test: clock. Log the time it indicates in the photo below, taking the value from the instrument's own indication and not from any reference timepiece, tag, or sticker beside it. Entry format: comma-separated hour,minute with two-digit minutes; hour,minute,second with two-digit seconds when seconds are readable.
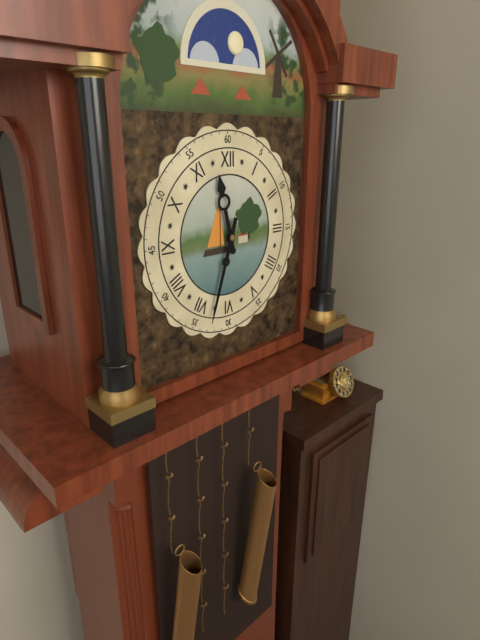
11,33
